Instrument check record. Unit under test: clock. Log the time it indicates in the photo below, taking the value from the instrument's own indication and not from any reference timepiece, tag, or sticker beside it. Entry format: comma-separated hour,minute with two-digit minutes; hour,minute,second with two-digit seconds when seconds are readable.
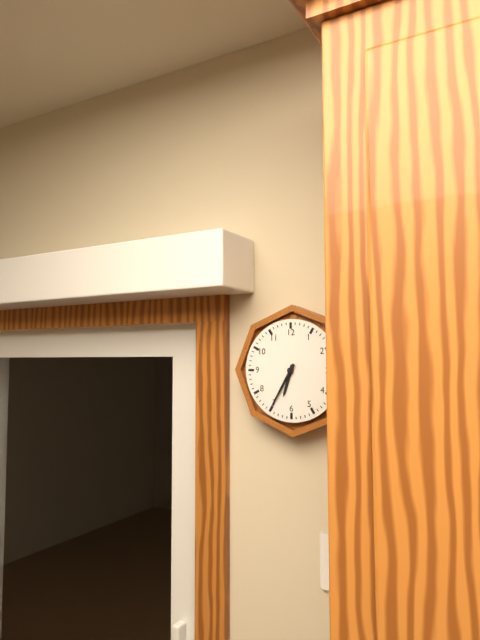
6,35
